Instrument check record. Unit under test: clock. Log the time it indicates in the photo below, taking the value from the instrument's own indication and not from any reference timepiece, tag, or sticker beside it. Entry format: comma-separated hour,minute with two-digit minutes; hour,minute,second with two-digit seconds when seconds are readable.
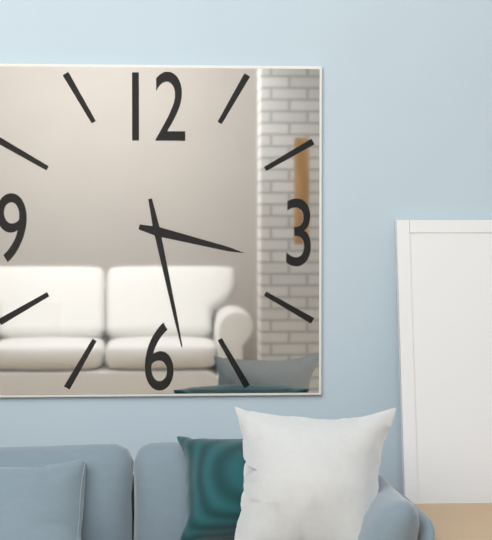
3,28
